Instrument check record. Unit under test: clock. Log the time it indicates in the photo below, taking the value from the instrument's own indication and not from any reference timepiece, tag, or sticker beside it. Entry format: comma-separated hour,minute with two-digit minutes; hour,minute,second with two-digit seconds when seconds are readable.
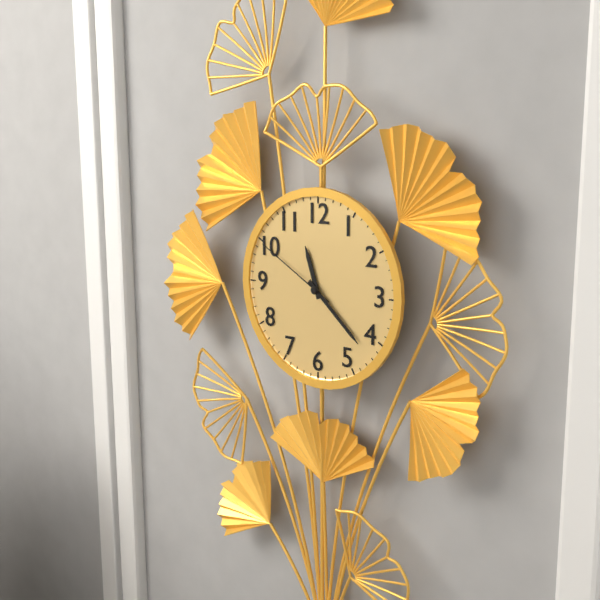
11,22,50
